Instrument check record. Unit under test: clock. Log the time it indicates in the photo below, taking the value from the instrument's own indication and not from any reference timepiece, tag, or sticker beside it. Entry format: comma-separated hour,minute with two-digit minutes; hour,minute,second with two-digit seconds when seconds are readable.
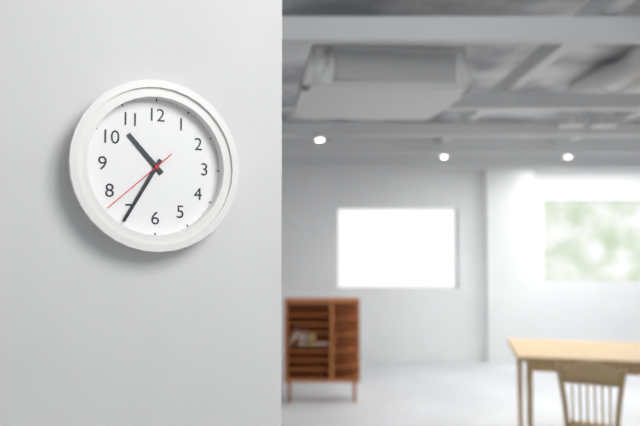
10,35,38
